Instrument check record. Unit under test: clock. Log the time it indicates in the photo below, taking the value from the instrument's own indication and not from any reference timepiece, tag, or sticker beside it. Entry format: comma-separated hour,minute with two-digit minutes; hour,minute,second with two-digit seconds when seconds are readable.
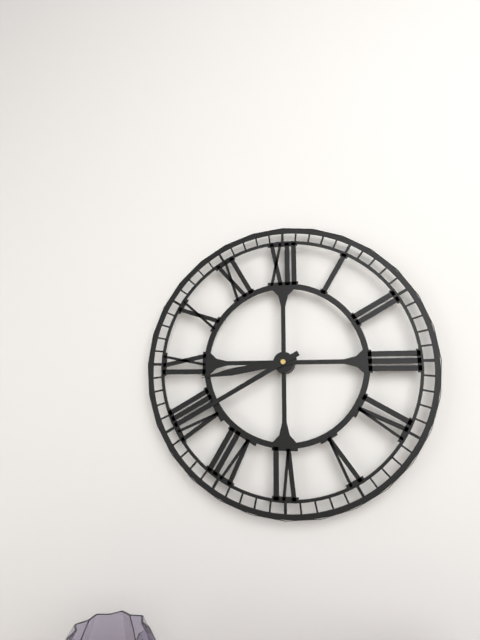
8,40
